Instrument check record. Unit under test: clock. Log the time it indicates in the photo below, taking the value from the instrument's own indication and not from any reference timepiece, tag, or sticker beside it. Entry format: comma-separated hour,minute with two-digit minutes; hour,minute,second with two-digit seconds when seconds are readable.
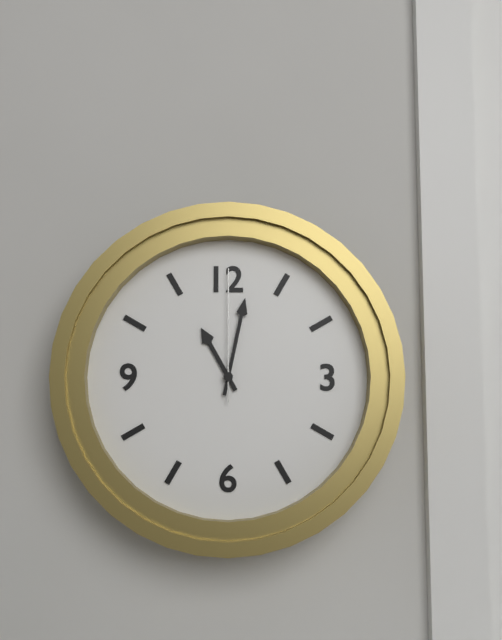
11,02,00
